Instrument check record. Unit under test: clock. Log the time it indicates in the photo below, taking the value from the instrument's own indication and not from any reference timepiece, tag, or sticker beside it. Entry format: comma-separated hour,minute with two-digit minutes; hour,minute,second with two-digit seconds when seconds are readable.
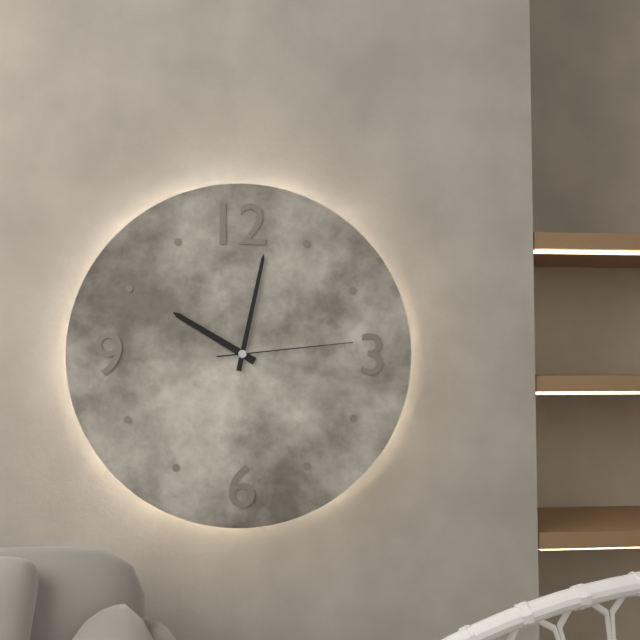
10,02,14
